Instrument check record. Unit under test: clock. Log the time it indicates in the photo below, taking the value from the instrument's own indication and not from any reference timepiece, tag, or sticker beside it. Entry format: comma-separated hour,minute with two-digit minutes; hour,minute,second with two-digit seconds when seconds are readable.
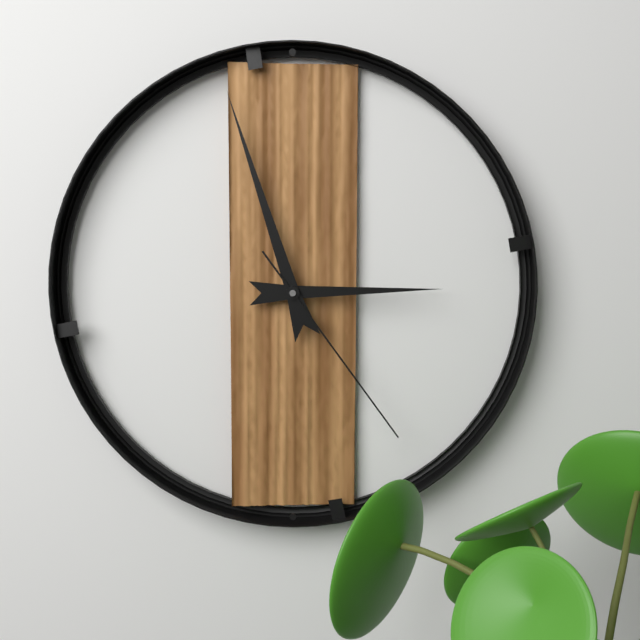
2,57,24
